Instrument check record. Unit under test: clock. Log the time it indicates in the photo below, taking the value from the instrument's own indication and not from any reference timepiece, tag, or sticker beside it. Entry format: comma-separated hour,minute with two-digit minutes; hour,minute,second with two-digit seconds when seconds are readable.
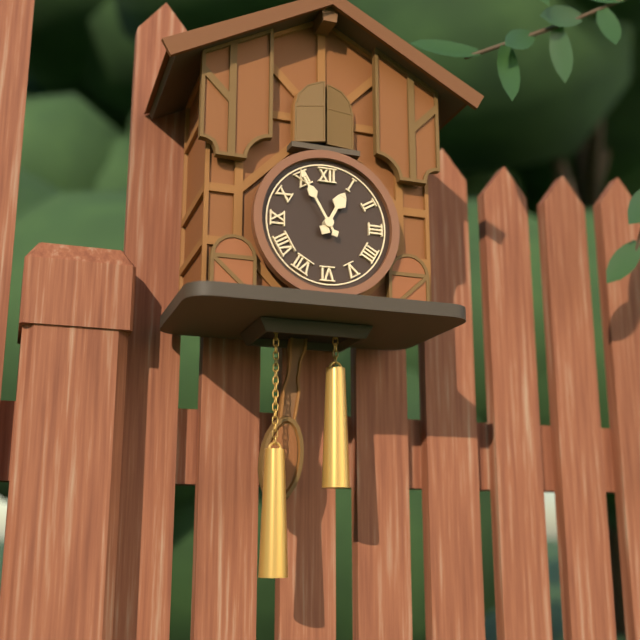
12,55
